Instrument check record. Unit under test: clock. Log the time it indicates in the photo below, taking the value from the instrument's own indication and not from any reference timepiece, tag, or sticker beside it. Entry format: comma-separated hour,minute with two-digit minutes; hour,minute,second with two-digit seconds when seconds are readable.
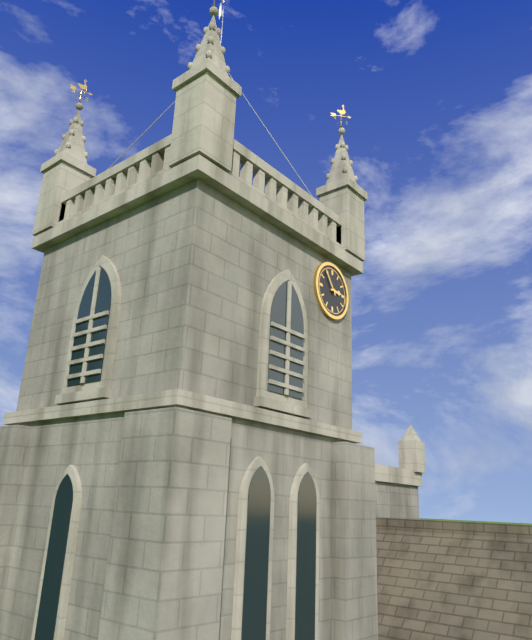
2,54
